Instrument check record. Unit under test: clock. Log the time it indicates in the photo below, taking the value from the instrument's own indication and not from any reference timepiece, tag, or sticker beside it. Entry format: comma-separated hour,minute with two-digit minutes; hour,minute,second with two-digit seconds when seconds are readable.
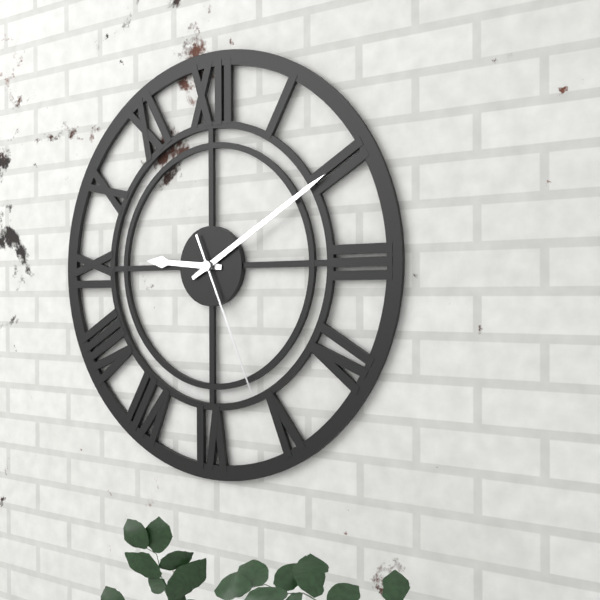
9,10,26
